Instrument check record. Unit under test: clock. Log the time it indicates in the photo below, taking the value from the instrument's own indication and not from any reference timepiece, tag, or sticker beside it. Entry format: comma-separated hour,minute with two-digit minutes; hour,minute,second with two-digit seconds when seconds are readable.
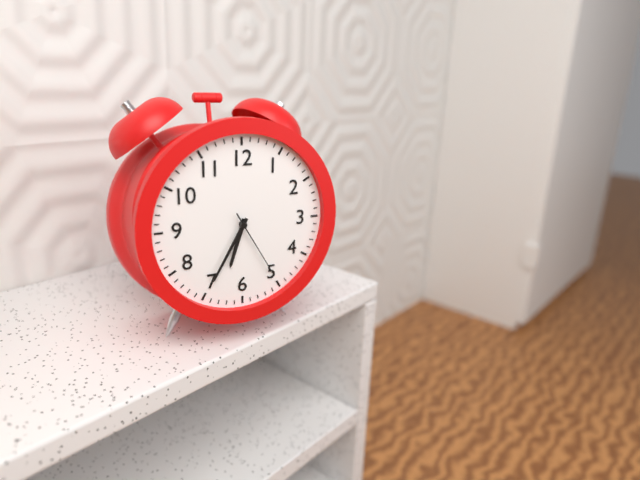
6,35,25
